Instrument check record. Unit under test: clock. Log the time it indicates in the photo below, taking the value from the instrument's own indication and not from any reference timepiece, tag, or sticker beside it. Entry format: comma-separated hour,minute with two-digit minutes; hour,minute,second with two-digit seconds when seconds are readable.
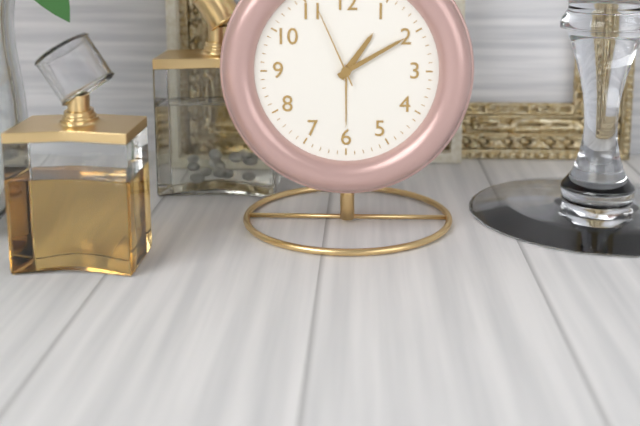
1,10,56
